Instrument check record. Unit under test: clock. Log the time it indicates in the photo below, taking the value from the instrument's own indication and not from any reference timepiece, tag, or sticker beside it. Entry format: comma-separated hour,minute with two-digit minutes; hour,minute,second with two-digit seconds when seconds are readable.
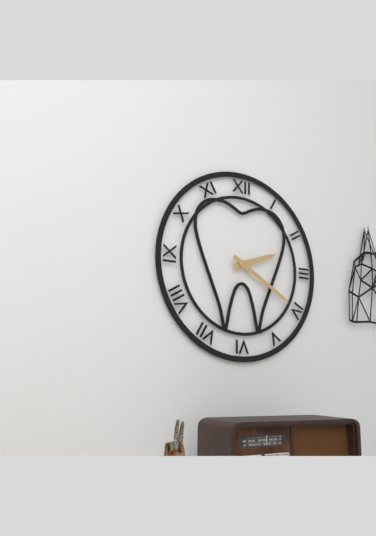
2,20
